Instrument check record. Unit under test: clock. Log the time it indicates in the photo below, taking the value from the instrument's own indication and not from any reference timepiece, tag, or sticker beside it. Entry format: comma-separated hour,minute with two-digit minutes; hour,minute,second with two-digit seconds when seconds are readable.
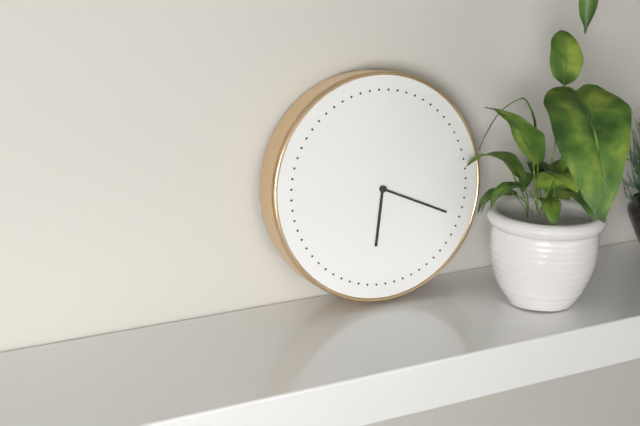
6,19
